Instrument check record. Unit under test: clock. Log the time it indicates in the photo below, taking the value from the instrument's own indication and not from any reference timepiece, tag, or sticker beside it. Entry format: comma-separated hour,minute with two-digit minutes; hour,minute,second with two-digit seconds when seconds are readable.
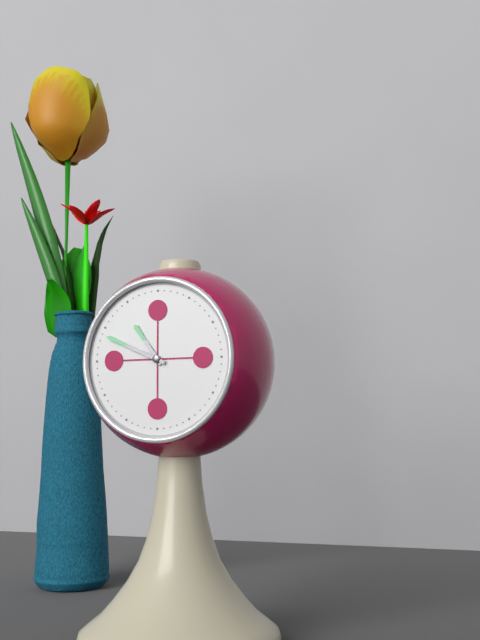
10,49
